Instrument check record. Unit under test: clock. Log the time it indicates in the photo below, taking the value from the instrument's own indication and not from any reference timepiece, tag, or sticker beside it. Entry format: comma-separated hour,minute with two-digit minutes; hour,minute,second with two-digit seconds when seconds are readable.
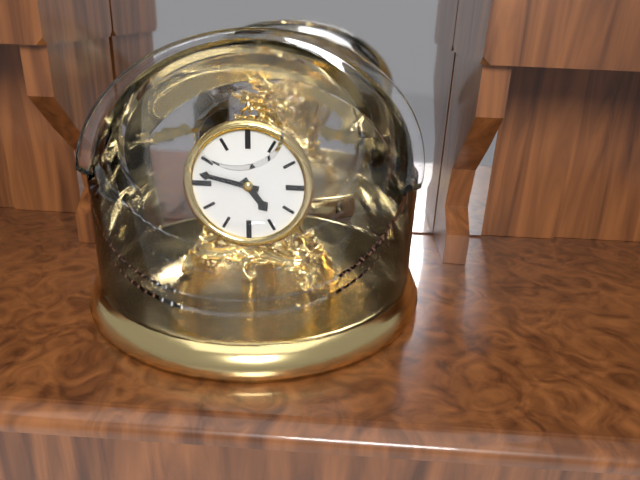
4,47
